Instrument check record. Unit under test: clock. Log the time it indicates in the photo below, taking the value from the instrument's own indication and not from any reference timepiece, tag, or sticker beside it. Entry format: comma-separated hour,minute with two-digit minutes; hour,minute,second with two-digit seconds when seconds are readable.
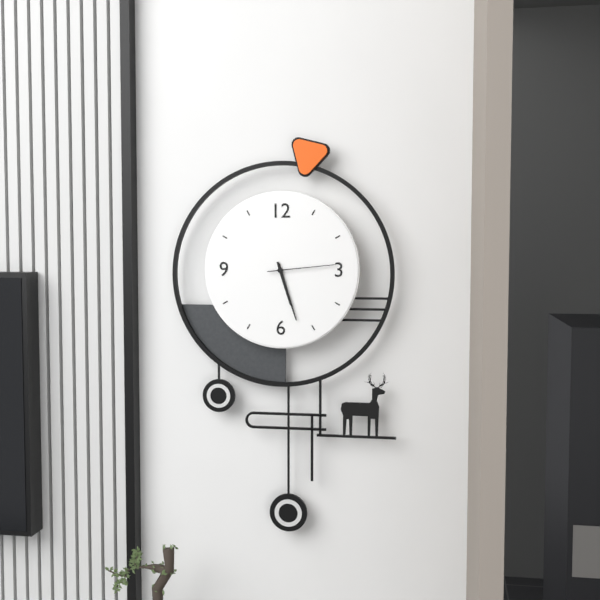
5,27,14
